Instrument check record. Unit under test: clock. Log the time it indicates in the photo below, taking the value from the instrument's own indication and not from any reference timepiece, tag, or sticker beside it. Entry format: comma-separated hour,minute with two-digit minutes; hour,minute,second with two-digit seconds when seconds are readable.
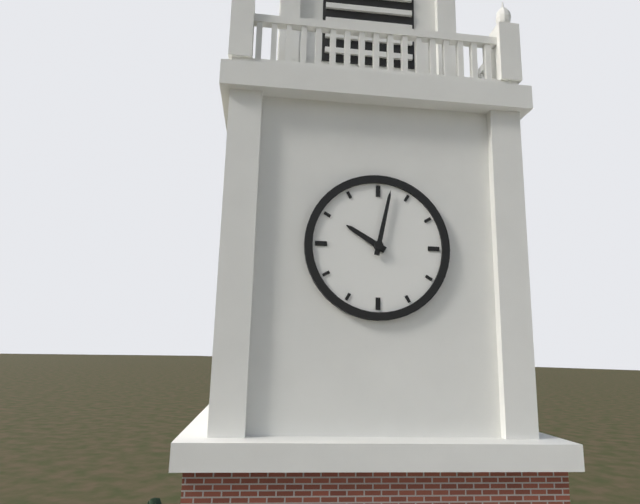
10,02
